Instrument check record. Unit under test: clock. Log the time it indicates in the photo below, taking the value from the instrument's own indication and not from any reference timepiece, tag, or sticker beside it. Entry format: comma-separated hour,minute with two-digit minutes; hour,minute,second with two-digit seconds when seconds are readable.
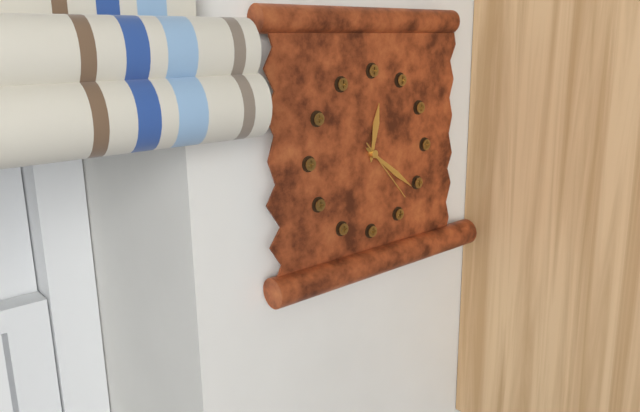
12,21,23
